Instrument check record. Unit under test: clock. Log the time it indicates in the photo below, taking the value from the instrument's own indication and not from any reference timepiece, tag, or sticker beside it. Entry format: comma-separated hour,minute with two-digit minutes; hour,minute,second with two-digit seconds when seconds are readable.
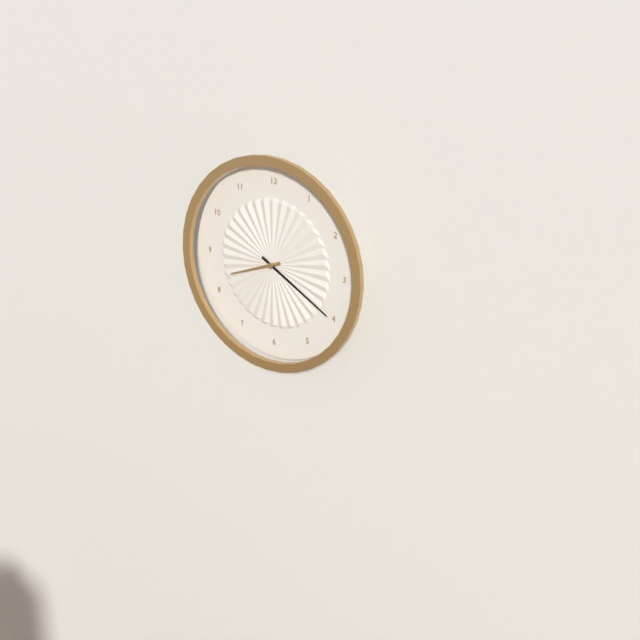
8,20
